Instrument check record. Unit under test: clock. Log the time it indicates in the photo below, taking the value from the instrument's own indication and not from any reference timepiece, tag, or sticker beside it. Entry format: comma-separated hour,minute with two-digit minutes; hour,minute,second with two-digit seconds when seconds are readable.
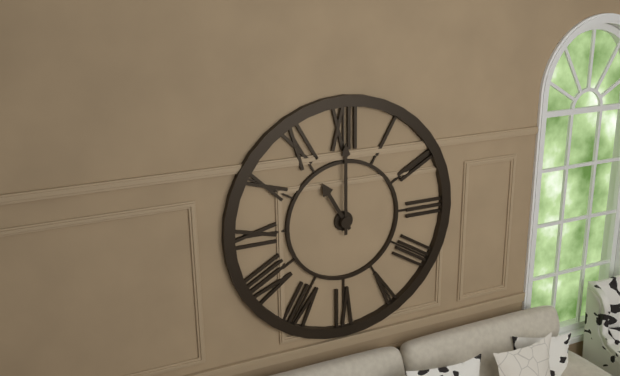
11,00
